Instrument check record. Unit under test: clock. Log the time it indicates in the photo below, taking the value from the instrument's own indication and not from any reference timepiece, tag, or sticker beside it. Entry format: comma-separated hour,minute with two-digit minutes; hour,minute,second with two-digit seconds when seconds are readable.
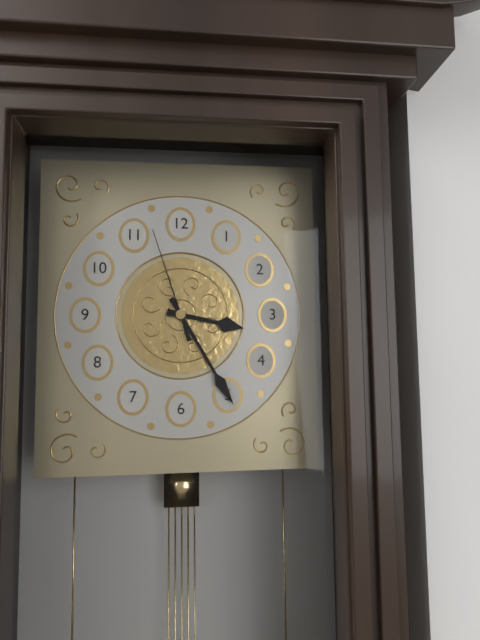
3,25,57
